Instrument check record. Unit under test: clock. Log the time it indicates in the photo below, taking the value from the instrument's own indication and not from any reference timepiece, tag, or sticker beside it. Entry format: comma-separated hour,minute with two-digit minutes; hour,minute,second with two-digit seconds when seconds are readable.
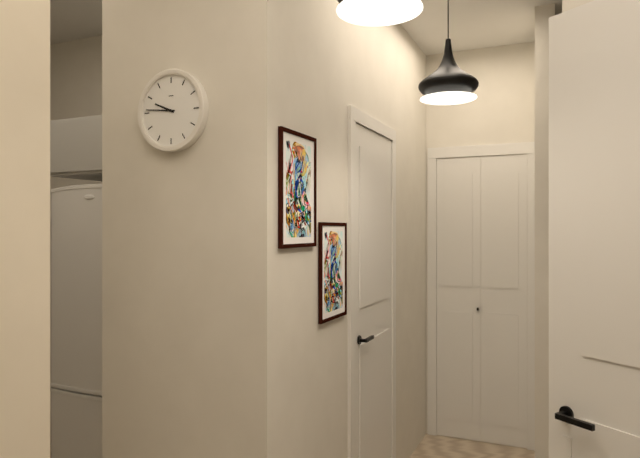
9,46
